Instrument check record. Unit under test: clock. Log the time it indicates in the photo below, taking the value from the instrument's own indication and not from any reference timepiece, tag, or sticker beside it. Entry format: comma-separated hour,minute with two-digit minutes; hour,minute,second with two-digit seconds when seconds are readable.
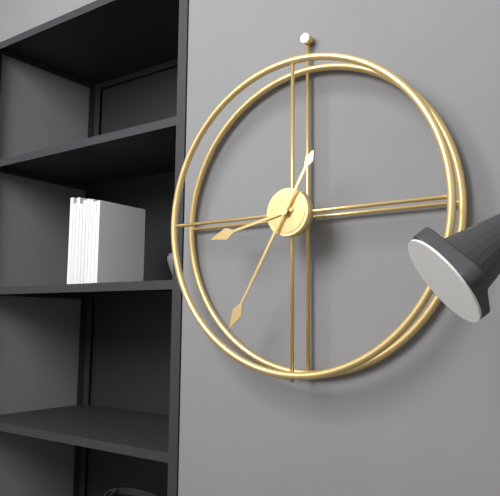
8,35
